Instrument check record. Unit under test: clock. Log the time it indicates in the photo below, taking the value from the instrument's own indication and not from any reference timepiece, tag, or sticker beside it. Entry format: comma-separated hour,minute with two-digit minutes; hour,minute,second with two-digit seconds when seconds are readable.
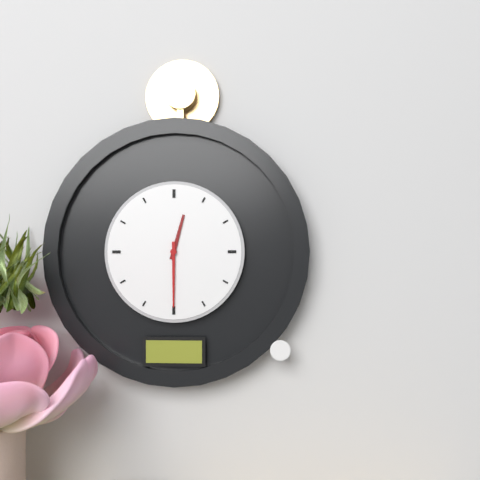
12,30
